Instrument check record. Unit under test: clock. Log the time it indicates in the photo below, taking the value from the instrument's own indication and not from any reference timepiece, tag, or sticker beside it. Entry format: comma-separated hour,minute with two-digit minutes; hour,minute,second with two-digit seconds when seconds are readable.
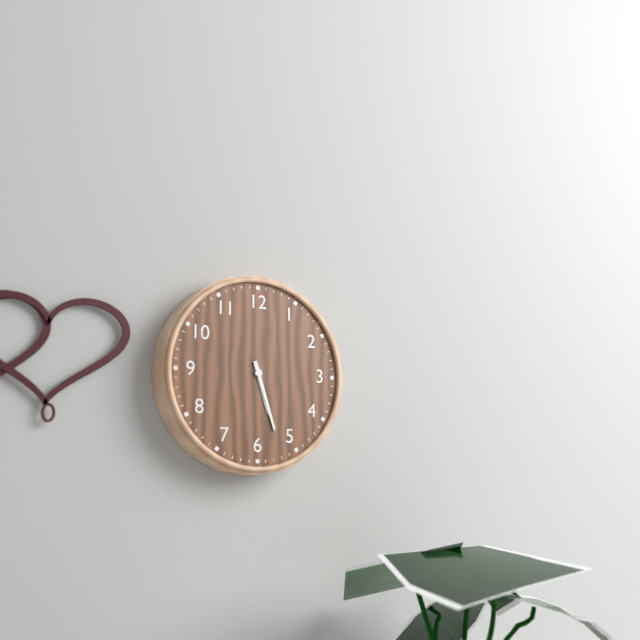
5,27
